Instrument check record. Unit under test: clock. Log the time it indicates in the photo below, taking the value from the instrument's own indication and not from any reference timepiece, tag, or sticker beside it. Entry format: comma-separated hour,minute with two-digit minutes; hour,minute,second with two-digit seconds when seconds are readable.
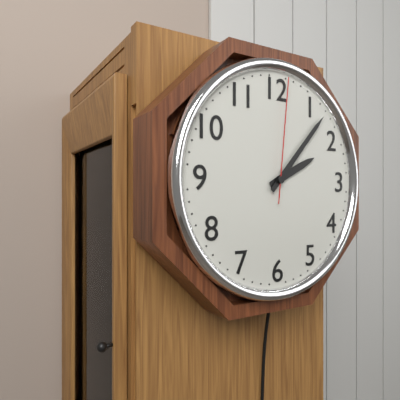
2,07,01
